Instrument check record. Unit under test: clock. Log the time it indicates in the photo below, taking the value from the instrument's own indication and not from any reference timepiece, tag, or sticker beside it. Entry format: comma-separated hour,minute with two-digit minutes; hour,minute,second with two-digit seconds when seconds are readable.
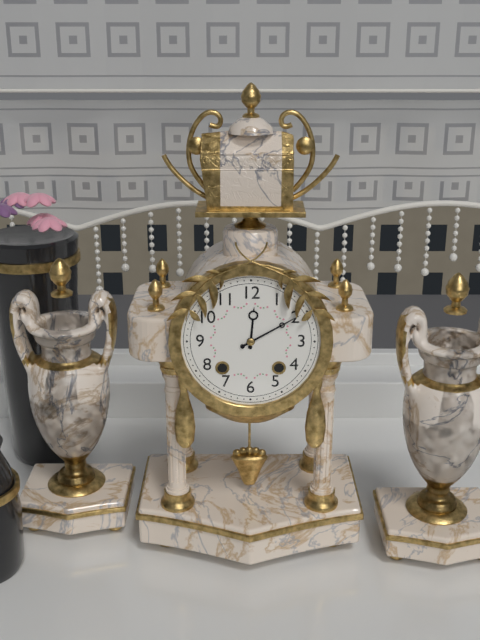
12,10
